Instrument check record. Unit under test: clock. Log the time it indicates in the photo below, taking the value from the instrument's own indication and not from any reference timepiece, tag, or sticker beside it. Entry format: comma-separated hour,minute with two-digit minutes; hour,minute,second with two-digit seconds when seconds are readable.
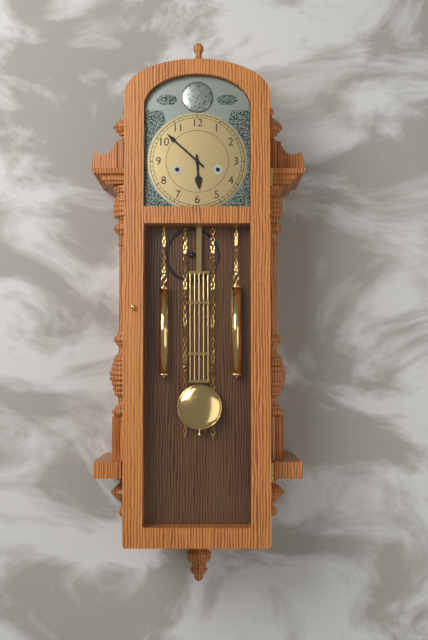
5,52
